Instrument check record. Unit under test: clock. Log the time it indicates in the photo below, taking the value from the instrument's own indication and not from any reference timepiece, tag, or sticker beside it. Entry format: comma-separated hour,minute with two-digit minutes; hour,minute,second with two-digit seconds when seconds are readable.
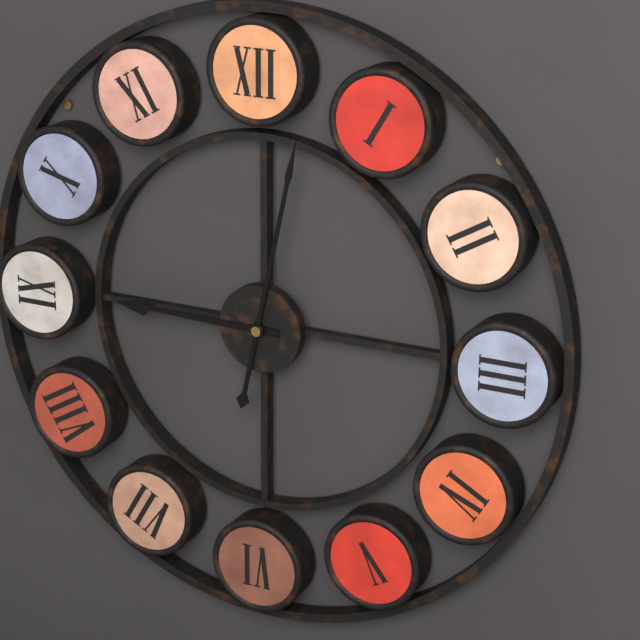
9,02
